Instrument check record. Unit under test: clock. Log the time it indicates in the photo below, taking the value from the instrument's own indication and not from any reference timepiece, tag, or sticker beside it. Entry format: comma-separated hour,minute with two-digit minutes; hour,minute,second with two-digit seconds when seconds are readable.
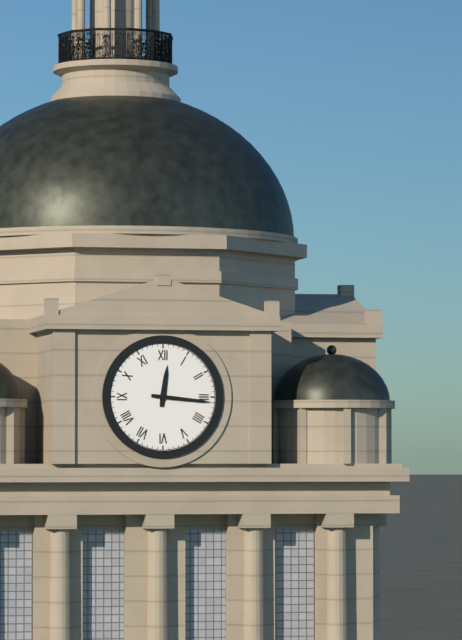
12,16
